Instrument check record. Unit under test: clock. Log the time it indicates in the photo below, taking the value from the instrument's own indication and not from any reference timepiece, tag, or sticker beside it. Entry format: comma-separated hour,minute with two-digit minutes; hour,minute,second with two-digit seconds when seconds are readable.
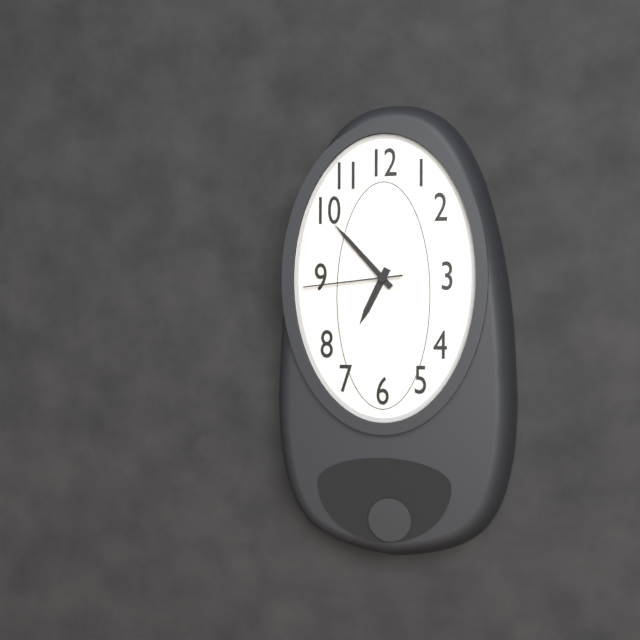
6,53,44
